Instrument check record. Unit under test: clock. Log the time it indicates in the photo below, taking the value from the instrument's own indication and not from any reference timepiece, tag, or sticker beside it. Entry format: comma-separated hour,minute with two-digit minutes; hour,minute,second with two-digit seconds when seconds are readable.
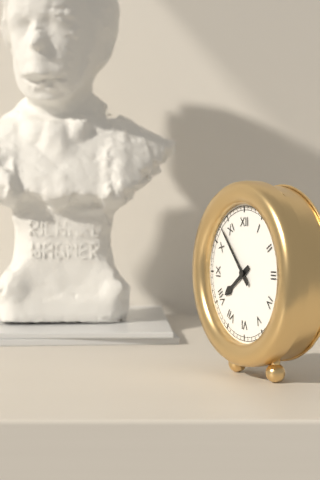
7,53
